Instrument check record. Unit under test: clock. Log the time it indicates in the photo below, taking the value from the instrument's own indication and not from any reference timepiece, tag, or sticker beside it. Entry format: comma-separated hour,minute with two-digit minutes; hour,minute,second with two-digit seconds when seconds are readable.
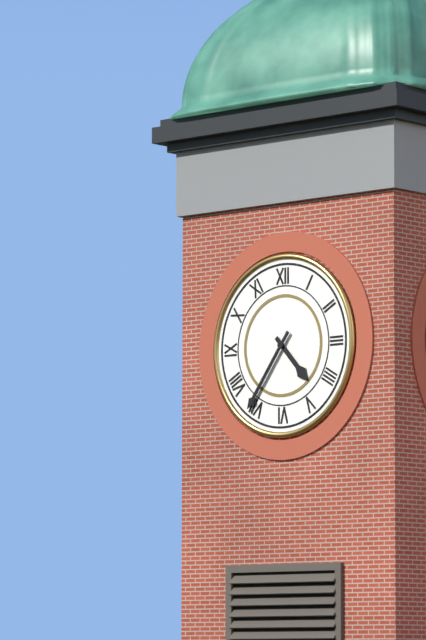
4,36
